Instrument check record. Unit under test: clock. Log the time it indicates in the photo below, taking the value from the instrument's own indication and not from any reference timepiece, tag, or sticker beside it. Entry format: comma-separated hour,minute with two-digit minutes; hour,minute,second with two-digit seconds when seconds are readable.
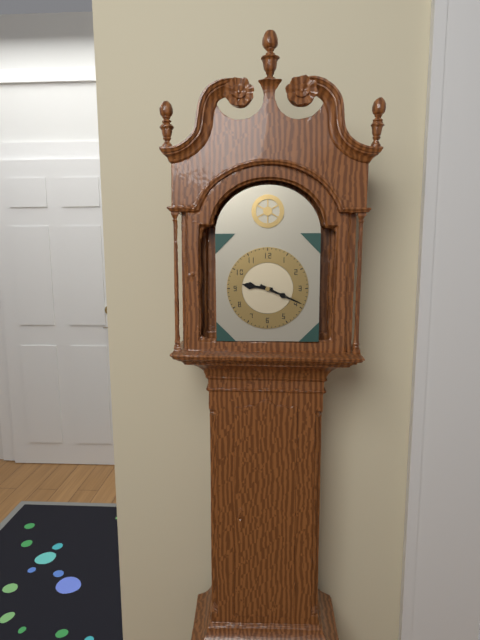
9,19
